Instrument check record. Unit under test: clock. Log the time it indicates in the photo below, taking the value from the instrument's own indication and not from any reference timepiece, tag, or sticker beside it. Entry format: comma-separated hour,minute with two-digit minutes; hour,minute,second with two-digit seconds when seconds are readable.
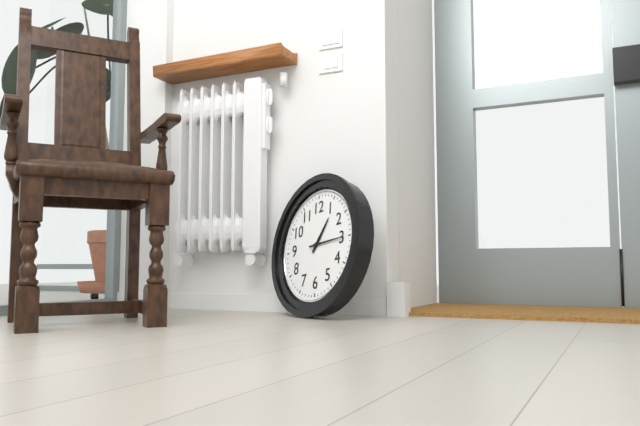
1,15
